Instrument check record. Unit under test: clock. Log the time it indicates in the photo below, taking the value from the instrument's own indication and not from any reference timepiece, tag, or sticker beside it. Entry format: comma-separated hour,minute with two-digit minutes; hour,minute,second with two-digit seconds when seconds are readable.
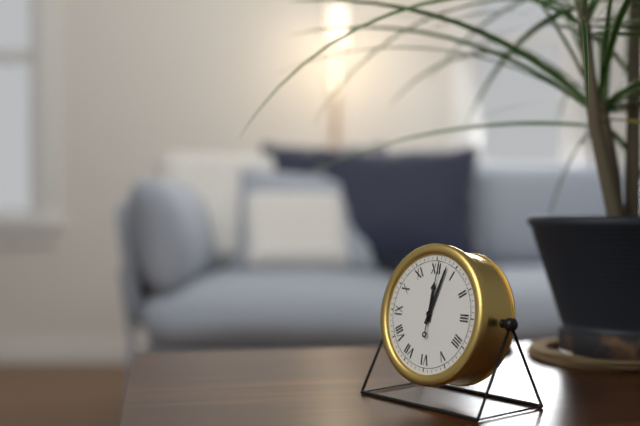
12,03,01
